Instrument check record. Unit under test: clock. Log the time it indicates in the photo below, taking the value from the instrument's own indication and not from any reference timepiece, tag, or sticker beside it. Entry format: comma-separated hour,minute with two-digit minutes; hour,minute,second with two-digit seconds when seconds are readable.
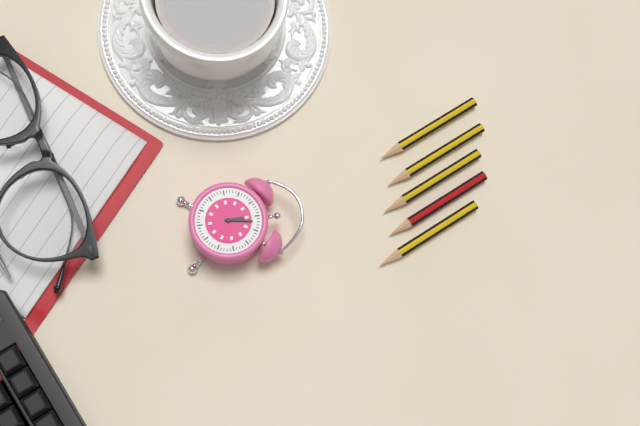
12,02
